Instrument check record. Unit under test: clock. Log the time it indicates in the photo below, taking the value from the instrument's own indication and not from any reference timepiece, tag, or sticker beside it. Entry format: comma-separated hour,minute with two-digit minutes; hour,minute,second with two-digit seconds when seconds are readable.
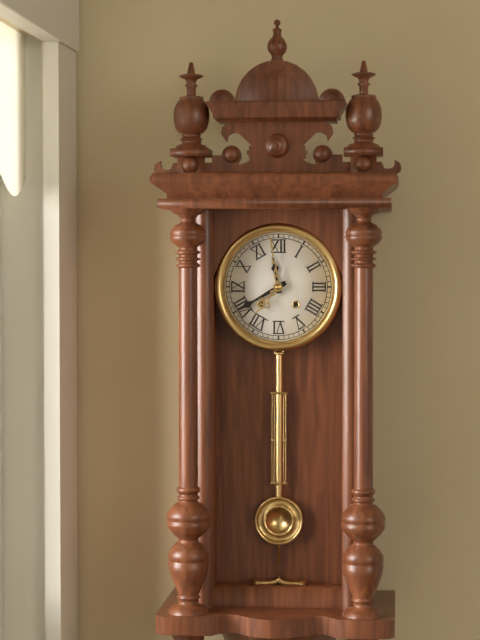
11,40
